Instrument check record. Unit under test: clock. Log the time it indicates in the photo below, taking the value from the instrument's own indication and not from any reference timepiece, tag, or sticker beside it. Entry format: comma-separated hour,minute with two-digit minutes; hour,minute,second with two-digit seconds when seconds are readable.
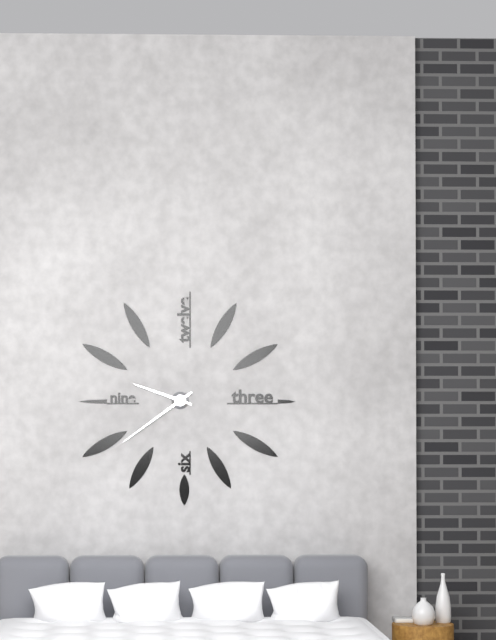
9,39
